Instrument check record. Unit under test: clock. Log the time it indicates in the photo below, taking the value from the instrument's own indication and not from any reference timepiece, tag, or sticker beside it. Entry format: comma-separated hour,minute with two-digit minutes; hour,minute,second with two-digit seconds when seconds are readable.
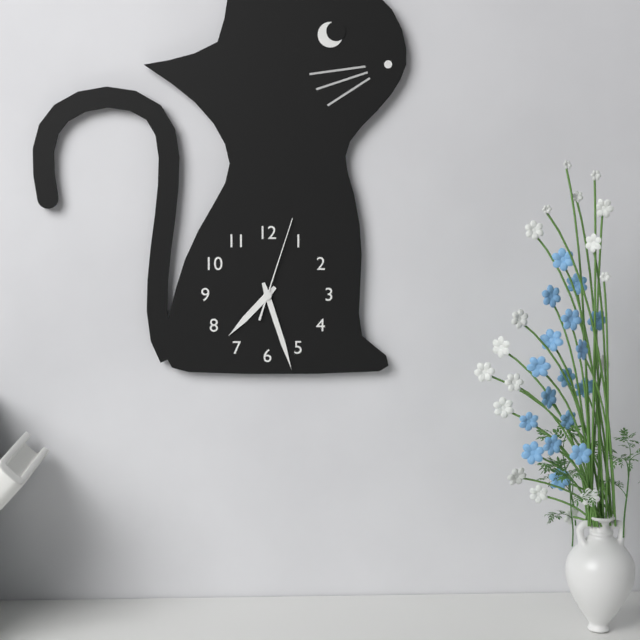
7,27,03
